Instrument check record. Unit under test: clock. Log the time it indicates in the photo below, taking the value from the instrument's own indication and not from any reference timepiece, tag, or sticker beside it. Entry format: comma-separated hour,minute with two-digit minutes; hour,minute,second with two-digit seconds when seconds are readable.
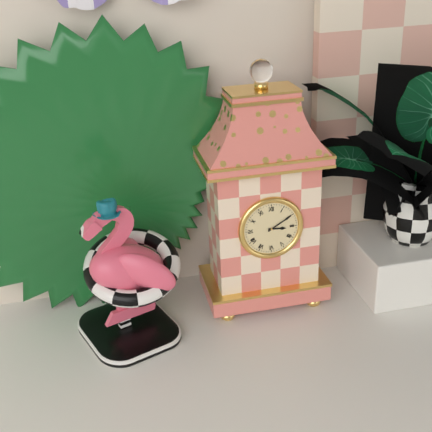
3,10
